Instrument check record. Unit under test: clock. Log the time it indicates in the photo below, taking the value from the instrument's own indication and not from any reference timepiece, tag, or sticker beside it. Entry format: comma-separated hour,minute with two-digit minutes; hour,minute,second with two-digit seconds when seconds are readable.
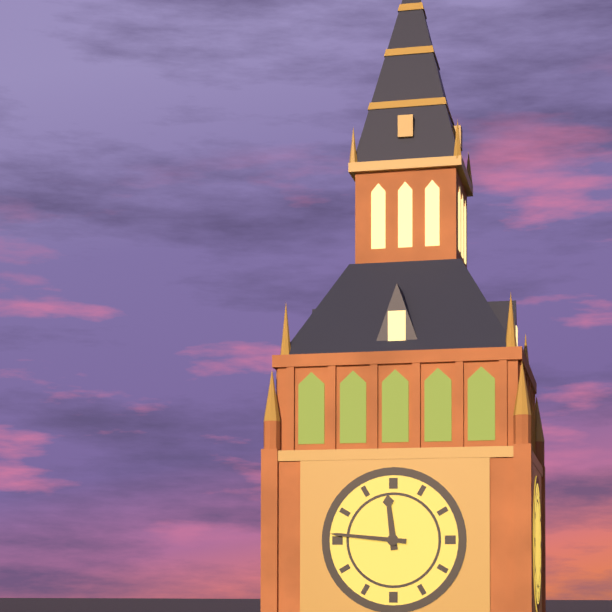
11,46
